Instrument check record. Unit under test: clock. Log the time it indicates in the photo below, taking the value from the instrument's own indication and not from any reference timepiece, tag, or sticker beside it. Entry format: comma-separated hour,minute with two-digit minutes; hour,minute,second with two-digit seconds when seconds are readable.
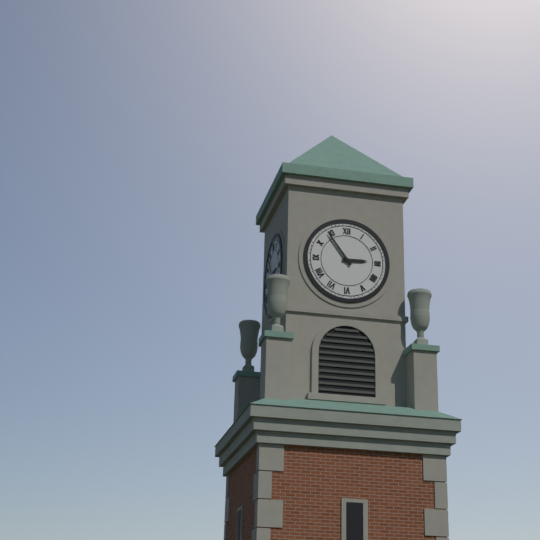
2,54
